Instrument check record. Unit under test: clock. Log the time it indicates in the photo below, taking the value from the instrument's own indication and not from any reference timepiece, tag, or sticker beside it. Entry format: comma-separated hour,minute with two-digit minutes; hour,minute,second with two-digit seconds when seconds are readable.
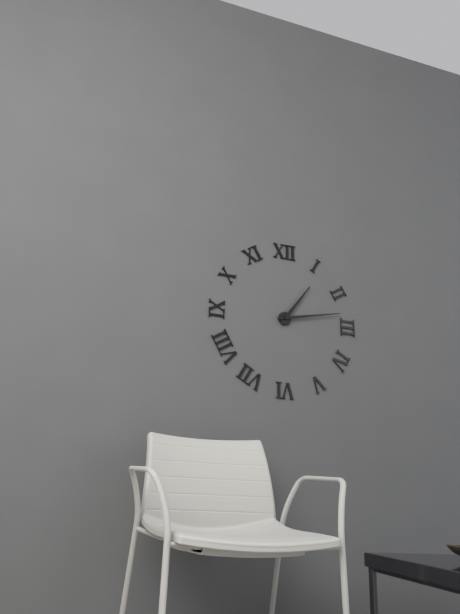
1,13
